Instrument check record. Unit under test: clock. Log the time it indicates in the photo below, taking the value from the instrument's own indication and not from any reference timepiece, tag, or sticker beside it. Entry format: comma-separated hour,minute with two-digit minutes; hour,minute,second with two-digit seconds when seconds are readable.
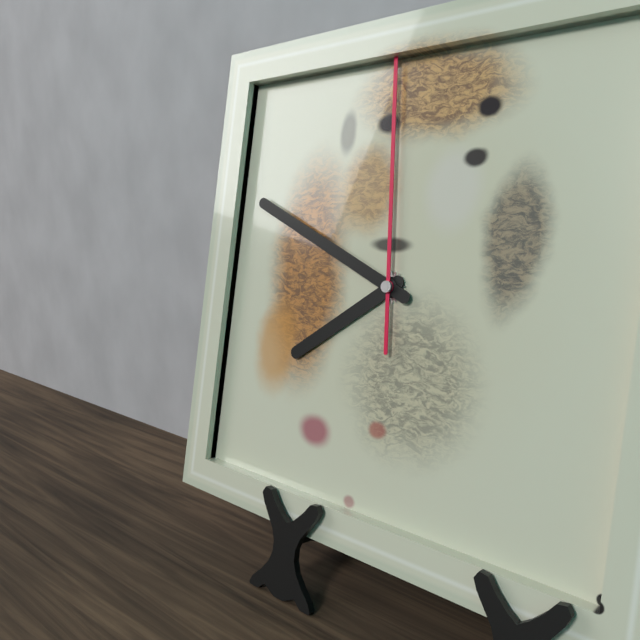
7,49,59
